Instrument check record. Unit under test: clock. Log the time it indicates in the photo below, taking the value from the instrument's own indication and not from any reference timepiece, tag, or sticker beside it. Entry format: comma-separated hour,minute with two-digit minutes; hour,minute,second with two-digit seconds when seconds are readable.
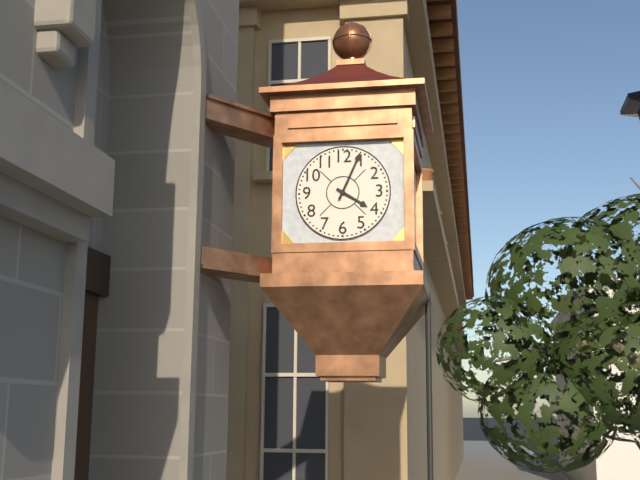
4,04
